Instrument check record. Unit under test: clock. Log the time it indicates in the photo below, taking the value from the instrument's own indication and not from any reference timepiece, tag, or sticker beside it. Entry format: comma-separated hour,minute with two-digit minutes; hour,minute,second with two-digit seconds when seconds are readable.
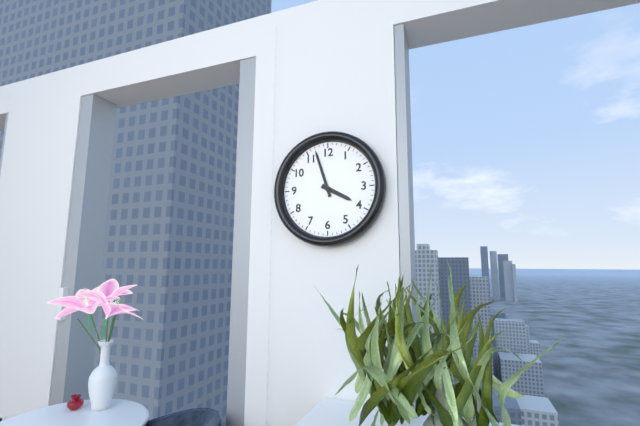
3,57
